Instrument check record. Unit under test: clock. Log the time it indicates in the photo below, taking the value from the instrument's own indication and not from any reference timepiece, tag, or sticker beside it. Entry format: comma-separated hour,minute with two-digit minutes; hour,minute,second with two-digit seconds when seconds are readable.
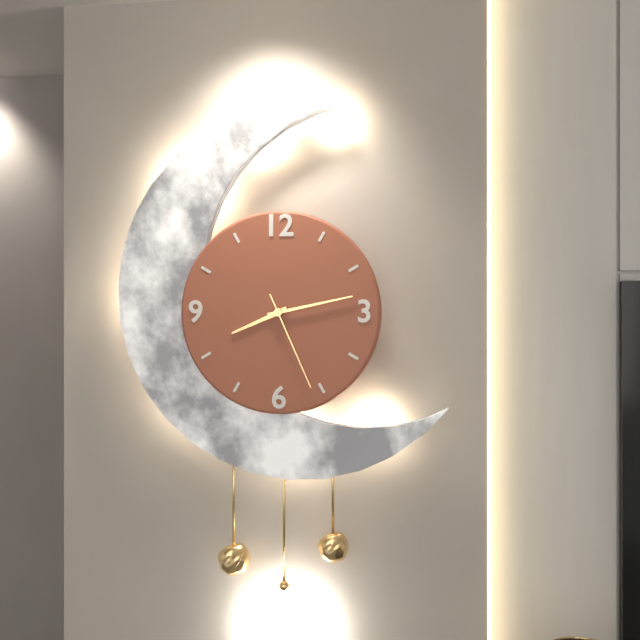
8,13,26
